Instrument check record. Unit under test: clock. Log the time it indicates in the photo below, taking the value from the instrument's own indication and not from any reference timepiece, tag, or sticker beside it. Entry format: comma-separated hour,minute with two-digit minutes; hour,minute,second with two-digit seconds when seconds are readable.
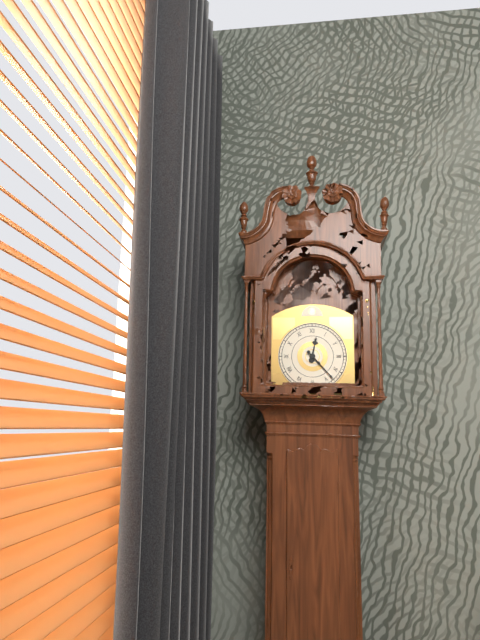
12,23
